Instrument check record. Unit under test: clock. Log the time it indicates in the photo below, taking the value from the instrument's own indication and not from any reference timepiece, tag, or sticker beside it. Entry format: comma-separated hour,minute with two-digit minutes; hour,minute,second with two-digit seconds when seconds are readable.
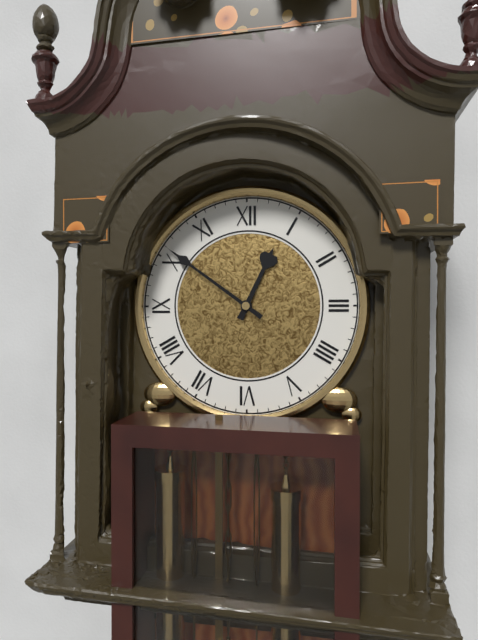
12,51
